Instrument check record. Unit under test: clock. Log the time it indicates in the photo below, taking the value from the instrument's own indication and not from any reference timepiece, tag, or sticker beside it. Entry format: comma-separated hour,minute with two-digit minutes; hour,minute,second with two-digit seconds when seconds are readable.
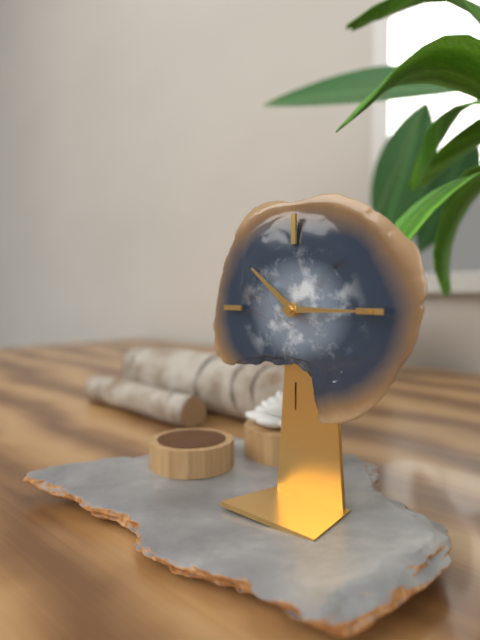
10,15
